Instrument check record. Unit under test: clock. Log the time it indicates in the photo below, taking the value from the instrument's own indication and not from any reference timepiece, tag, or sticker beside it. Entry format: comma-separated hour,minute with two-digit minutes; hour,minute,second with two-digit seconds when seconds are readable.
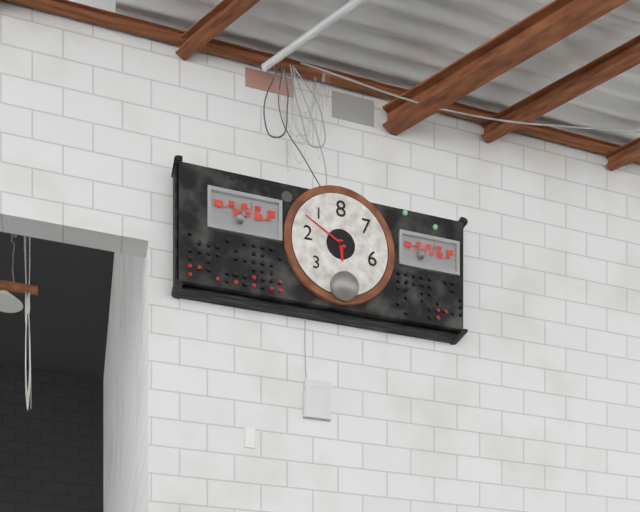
5,50
